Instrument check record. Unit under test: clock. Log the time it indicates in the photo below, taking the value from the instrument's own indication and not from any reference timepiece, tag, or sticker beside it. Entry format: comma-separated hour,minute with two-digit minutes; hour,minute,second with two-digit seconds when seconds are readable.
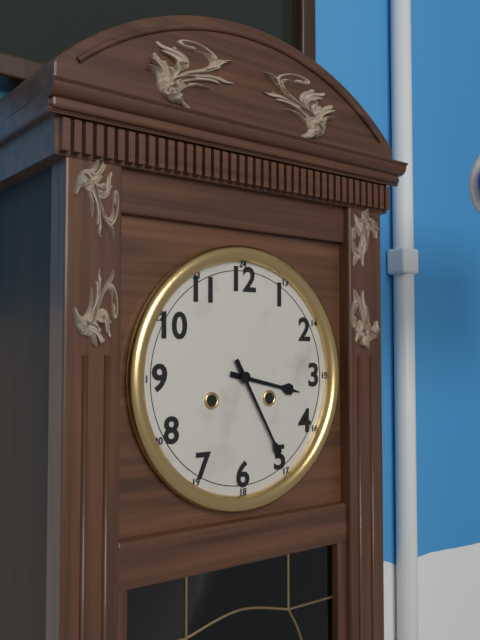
3,25
